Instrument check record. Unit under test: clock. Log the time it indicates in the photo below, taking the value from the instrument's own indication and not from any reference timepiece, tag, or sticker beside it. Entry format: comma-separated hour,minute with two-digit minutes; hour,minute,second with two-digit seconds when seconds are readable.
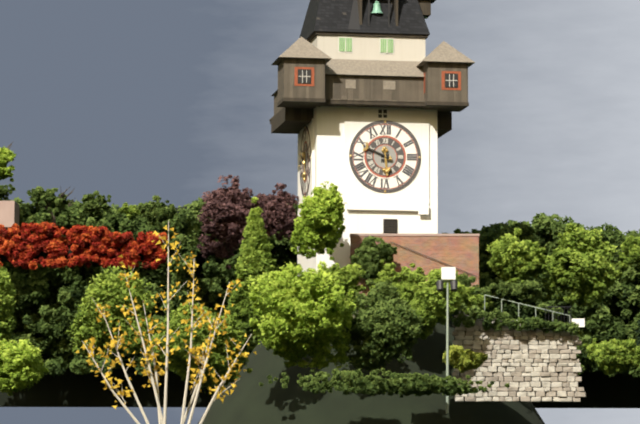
5,49
